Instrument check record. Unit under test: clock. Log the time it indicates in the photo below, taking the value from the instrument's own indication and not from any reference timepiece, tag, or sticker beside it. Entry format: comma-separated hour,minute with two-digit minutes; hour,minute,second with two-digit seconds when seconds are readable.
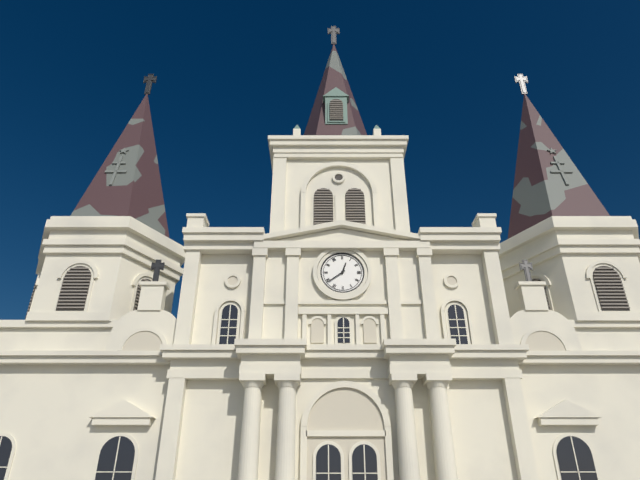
12,39
